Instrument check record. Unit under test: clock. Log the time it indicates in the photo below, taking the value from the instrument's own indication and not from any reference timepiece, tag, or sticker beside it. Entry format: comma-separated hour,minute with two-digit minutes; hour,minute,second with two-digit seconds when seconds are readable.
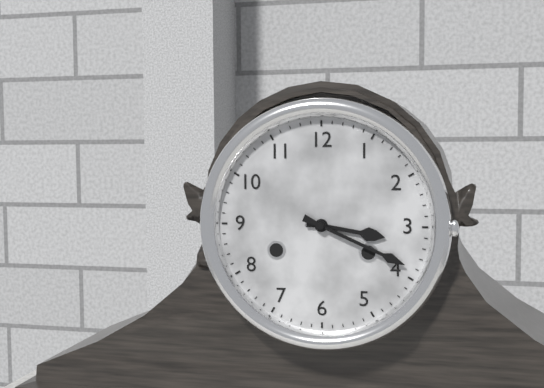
3,19
